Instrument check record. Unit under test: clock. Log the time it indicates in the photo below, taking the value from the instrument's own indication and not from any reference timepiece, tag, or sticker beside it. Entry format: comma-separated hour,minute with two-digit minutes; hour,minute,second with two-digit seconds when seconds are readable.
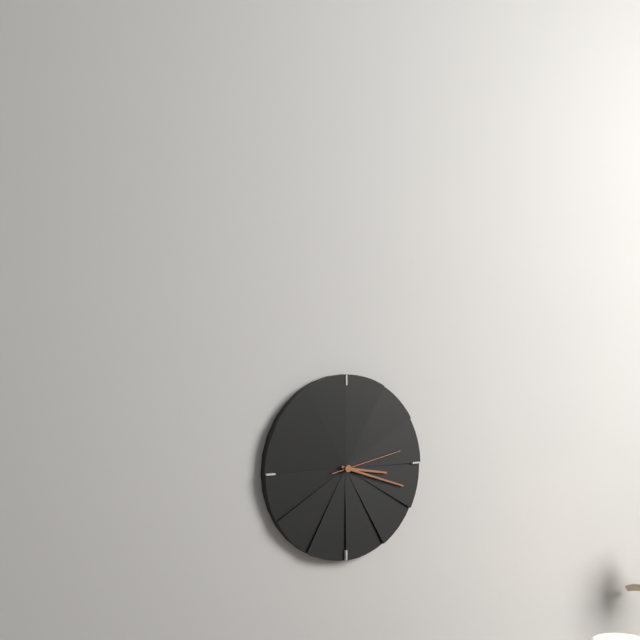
3,18,13
